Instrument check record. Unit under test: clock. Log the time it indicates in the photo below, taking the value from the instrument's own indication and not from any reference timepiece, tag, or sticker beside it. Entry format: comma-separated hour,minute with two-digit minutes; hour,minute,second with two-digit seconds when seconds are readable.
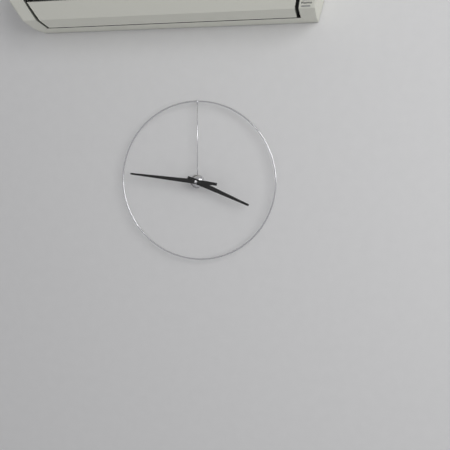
3,46
